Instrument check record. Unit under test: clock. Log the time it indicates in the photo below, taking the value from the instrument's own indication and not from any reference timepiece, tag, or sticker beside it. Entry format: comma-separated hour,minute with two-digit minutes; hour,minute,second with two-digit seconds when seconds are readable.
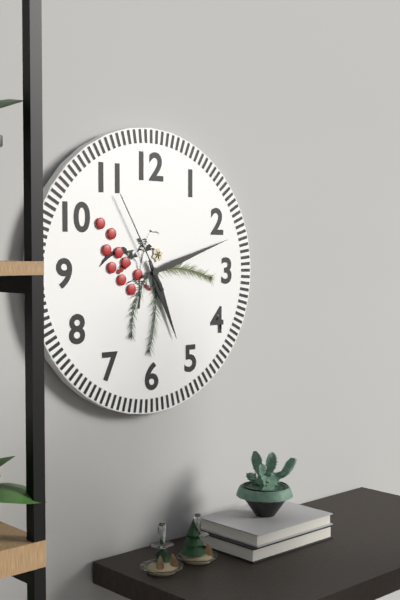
5,12,55
